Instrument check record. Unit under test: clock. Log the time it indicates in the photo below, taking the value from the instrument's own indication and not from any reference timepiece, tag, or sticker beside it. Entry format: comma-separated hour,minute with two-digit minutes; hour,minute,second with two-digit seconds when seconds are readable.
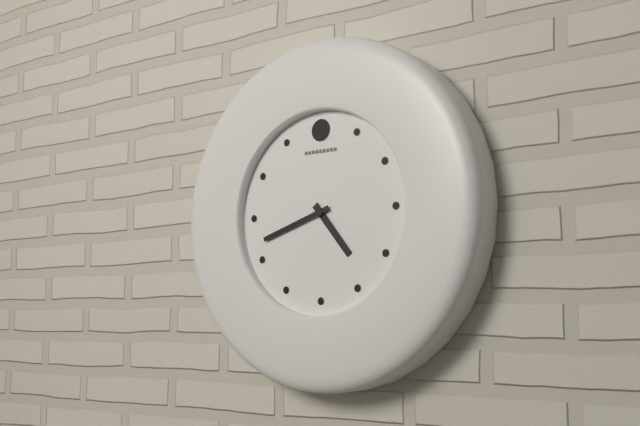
4,42
